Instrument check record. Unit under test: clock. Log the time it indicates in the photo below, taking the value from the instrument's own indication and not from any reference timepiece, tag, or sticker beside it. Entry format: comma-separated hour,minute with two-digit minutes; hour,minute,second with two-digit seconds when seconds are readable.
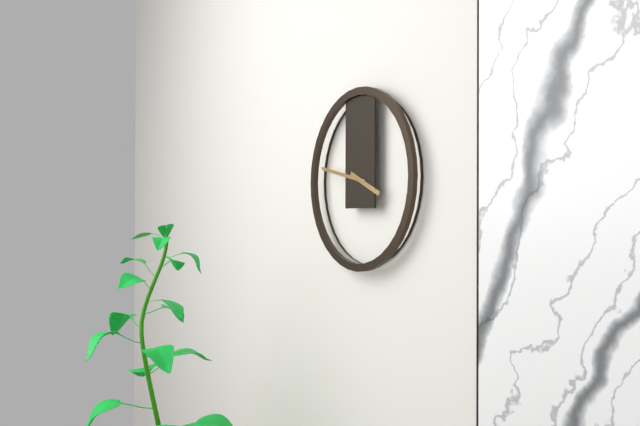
3,47
